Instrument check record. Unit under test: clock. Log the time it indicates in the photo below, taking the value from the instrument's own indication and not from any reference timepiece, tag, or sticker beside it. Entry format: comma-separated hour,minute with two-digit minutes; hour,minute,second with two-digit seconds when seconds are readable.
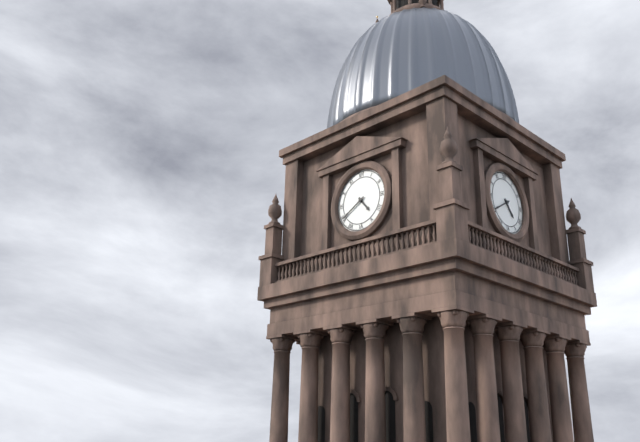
4,40
